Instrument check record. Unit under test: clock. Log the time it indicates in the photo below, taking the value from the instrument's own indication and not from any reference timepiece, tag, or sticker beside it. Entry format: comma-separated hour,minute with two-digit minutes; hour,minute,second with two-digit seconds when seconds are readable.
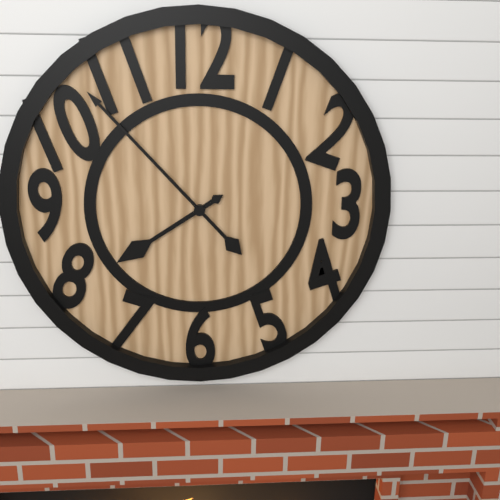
7,53
